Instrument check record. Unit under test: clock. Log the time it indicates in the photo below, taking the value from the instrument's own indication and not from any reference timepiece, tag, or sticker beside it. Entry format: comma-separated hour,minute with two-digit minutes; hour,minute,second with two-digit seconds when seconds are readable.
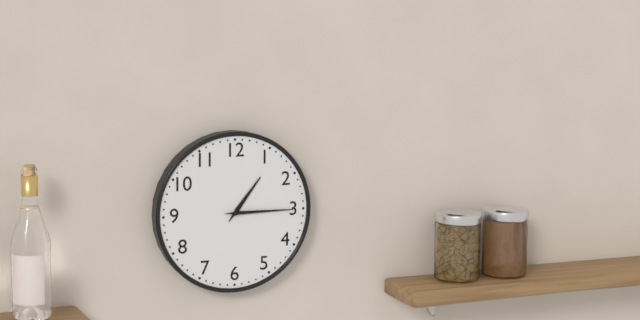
1,15
